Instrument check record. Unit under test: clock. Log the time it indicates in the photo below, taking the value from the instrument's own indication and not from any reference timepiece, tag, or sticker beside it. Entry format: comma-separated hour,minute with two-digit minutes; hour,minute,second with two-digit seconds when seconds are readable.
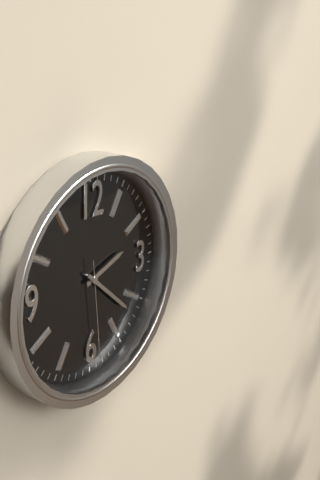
2,22,29
